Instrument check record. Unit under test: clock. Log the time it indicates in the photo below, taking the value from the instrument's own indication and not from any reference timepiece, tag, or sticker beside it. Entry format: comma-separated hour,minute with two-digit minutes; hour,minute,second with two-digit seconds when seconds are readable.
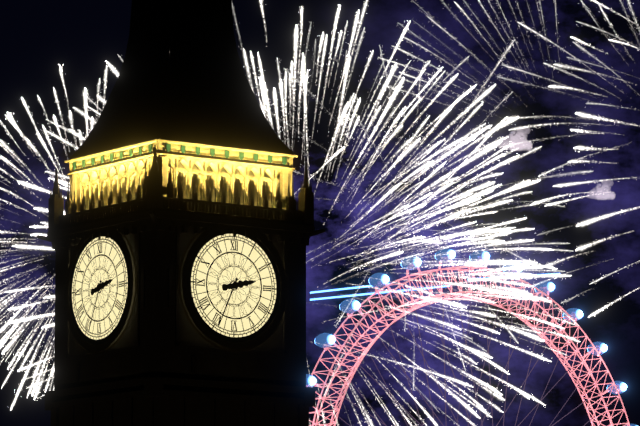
2,34
